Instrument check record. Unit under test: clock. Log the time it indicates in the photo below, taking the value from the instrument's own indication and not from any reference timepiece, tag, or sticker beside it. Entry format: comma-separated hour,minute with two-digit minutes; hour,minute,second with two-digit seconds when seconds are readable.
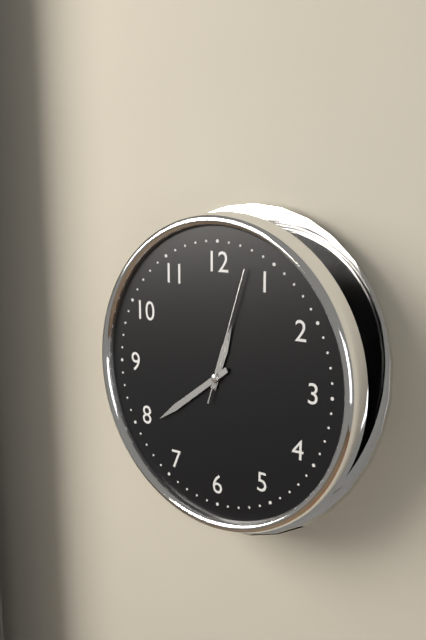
12,39,03
